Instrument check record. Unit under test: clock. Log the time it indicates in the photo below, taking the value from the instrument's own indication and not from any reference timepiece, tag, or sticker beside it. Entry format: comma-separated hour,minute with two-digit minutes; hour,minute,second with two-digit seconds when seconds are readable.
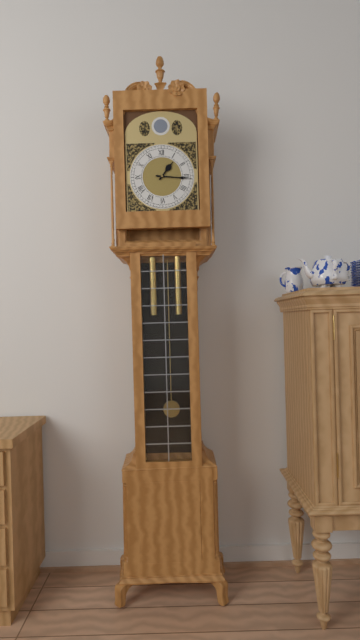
1,16
